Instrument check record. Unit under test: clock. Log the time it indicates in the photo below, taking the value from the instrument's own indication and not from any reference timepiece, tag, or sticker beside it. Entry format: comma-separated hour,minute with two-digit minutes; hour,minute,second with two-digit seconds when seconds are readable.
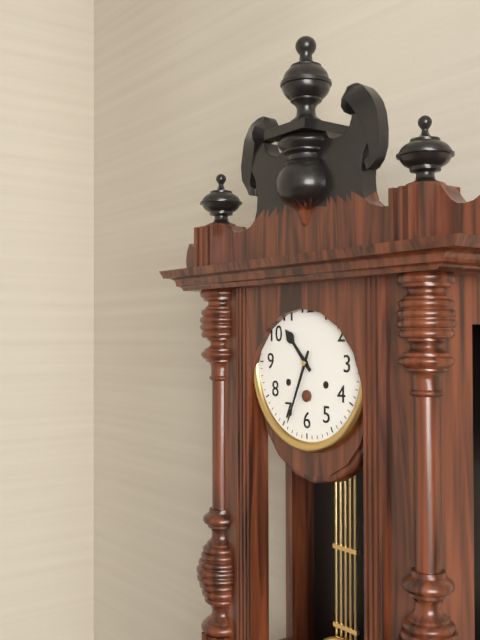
10,34
